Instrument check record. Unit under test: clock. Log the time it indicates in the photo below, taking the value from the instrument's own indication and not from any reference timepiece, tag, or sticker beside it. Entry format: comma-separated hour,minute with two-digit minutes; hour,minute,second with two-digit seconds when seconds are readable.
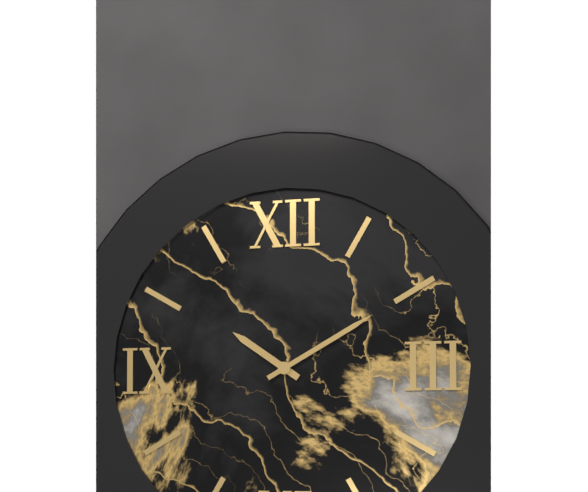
10,10
